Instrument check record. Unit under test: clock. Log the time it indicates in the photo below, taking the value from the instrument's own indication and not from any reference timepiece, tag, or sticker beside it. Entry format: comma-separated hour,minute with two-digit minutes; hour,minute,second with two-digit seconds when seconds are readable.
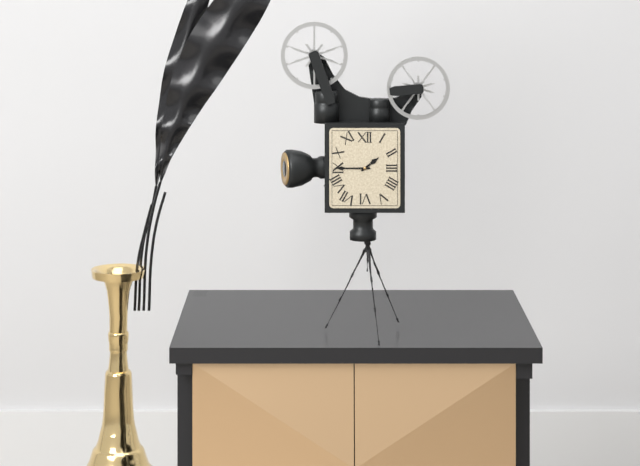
1,45
